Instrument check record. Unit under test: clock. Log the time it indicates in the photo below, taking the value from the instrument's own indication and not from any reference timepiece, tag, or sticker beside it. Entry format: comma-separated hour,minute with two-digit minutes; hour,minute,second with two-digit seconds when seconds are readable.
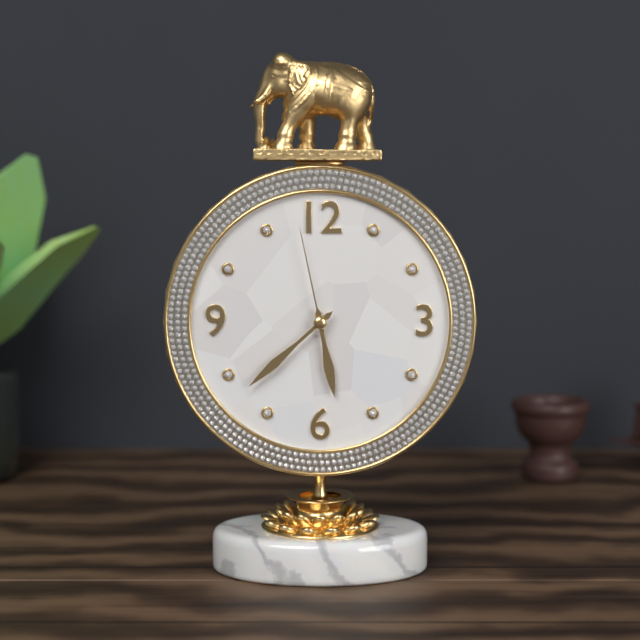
5,38,58
